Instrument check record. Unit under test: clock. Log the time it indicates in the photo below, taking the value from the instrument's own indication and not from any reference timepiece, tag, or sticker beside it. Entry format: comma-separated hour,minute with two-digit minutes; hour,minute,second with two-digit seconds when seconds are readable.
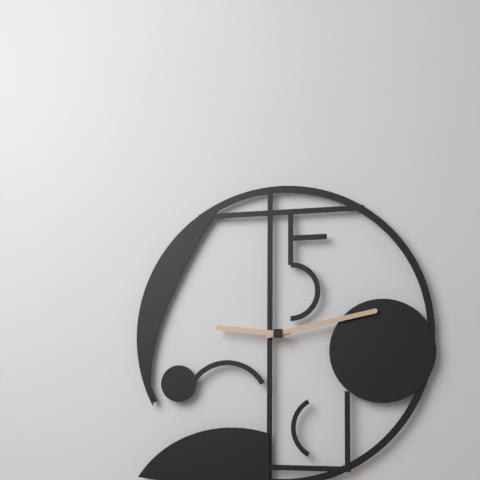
9,13
